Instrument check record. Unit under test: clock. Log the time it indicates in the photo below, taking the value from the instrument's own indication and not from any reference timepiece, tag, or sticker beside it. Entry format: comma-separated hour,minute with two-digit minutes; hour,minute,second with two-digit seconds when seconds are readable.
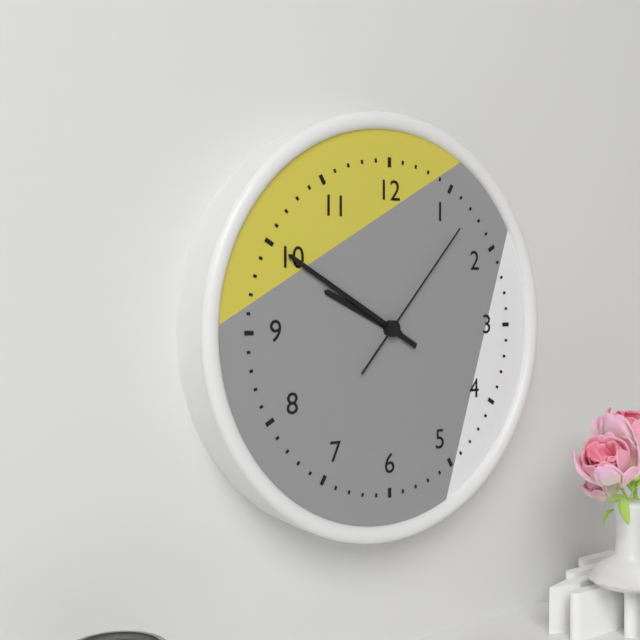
9,50,07
